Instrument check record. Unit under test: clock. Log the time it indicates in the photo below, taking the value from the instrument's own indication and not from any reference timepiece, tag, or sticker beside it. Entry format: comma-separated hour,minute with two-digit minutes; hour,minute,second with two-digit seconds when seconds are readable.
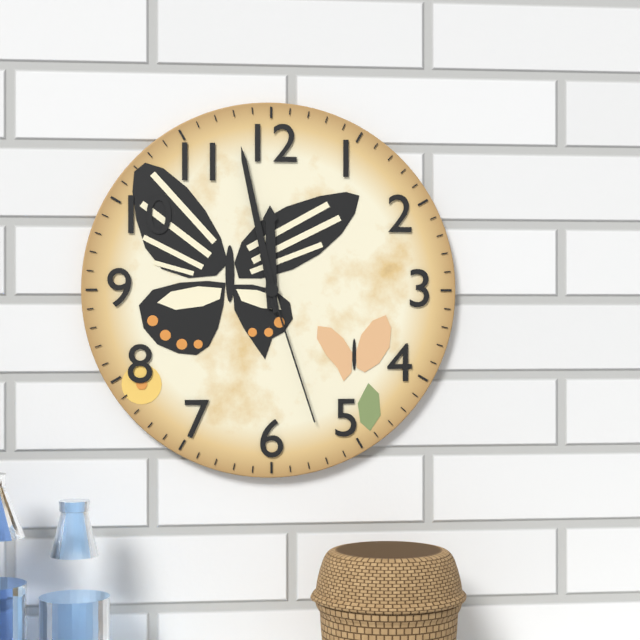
11,58,27
